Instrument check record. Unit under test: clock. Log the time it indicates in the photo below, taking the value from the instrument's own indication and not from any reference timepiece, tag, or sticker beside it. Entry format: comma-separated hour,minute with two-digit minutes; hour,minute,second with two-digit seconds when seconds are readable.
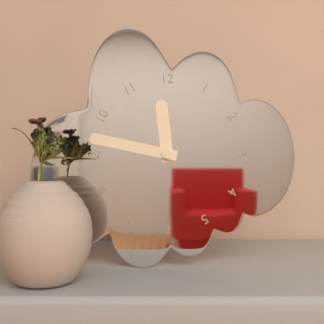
11,47
